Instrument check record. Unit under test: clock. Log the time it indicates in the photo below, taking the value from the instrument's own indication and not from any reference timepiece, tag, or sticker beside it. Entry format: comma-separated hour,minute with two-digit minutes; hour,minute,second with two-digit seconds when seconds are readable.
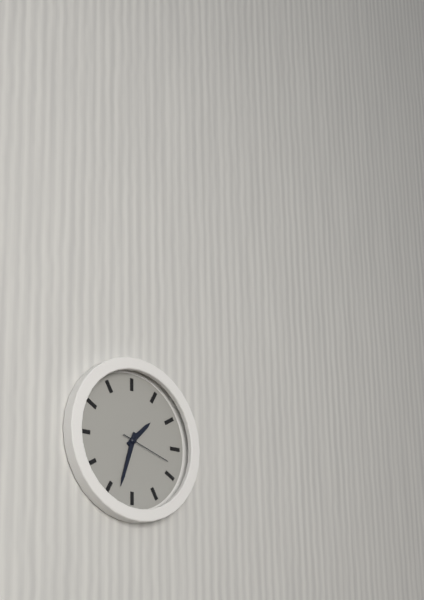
1,33,18
